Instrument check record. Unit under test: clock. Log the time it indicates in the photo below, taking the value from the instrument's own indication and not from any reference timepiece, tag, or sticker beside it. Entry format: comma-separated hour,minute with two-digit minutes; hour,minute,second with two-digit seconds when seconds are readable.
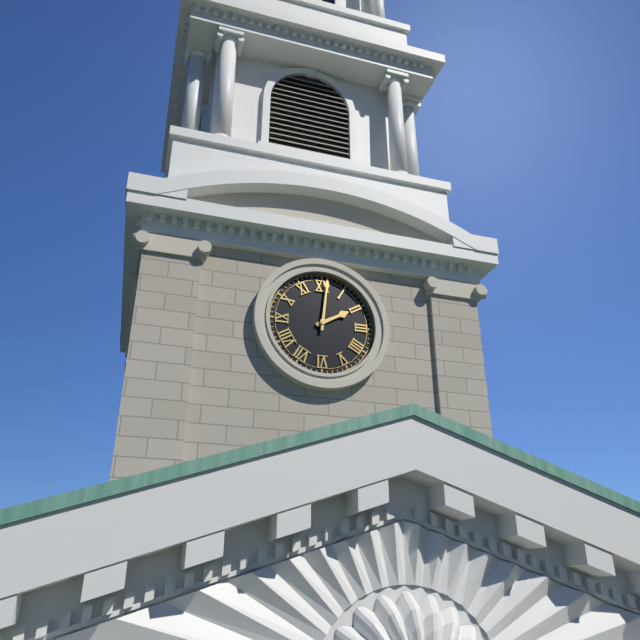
2,01
